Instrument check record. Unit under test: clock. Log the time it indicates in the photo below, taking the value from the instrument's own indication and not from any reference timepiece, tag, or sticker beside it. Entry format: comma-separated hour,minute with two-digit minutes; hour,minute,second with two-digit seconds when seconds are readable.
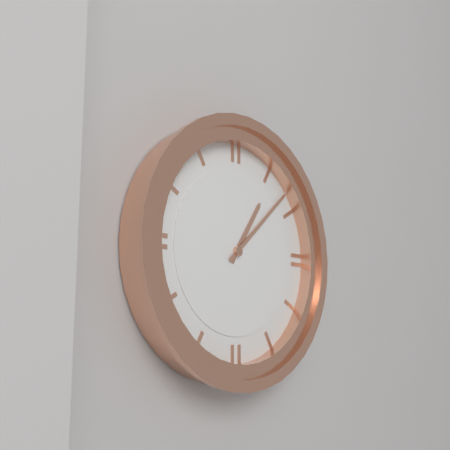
1,08
